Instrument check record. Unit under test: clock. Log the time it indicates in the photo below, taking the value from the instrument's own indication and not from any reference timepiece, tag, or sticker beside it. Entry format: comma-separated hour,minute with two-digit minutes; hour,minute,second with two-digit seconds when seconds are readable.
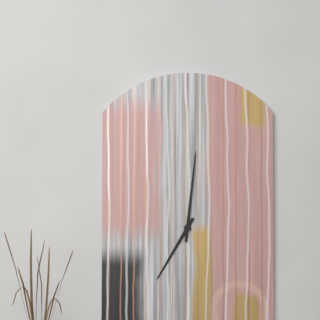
7,01
